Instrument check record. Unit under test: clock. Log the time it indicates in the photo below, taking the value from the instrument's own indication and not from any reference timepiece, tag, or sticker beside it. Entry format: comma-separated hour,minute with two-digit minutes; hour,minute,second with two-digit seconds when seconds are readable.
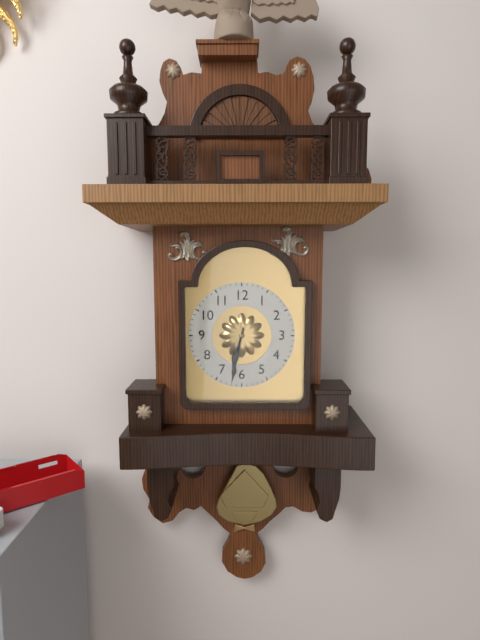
6,32
